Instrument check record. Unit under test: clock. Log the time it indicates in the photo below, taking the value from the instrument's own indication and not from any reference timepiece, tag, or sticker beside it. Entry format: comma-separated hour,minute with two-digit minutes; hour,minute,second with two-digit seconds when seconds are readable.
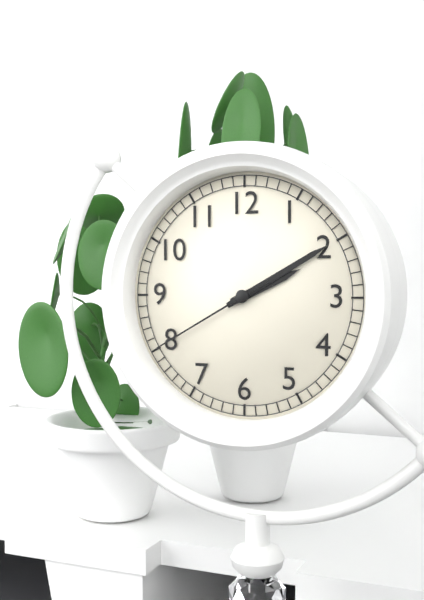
2,10,40
